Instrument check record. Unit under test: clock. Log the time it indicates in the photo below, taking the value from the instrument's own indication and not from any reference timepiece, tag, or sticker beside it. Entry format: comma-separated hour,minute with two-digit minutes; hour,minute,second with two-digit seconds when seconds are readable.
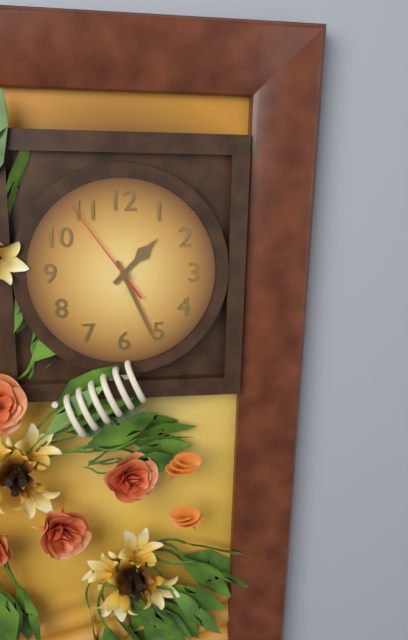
1,26,54
